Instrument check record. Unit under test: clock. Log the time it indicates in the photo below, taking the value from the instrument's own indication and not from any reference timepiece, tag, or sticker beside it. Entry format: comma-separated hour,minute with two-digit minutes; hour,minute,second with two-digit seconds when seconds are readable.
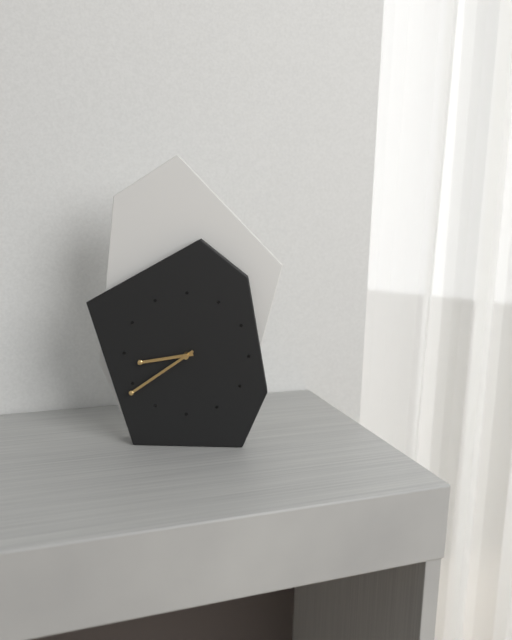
8,39
